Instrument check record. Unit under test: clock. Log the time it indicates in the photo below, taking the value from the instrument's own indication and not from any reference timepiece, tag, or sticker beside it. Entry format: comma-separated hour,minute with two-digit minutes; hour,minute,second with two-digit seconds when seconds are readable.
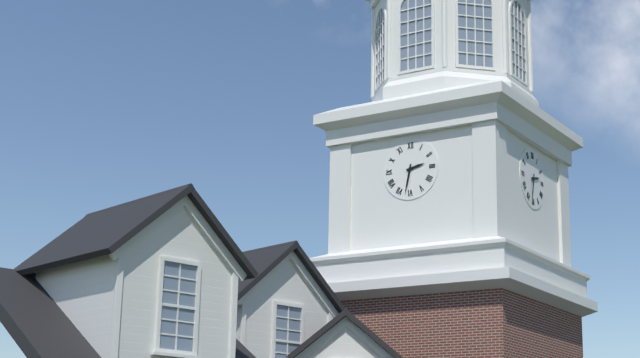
2,32
